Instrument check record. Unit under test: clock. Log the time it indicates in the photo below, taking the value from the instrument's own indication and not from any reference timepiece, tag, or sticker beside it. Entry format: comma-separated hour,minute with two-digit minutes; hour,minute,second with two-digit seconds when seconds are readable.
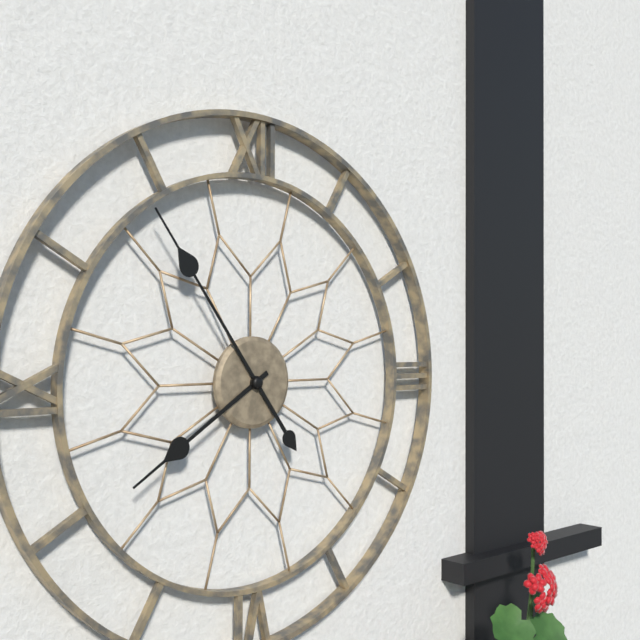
7,54
